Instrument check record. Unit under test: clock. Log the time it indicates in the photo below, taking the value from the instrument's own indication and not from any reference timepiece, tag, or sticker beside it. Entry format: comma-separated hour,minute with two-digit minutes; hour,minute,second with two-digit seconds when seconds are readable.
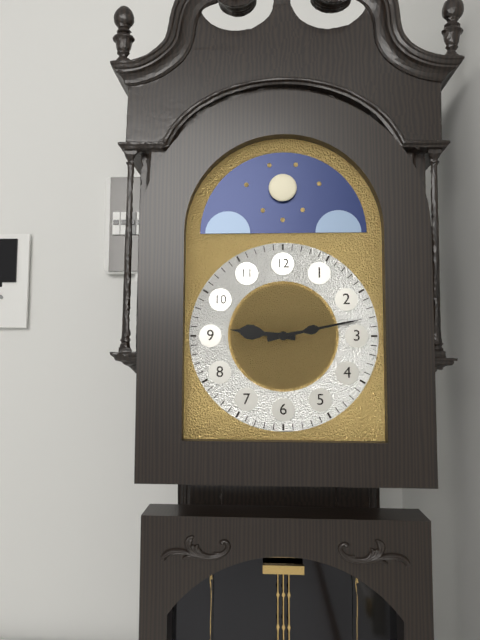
9,13
